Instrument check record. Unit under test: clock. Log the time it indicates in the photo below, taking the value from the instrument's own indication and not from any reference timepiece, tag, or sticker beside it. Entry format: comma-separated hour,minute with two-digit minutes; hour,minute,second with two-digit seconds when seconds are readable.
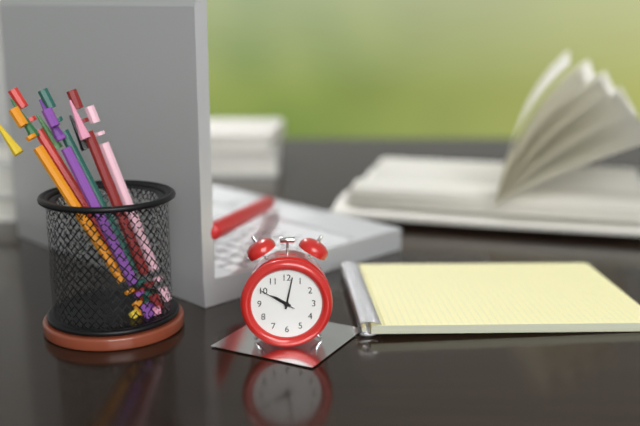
10,02
